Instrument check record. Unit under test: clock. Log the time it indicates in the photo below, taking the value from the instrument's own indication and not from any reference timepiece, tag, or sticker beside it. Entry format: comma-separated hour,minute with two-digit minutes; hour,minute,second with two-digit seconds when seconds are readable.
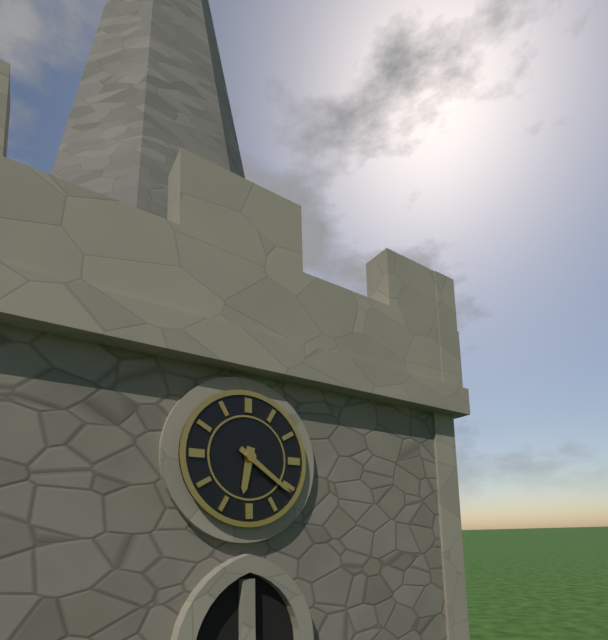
6,21
